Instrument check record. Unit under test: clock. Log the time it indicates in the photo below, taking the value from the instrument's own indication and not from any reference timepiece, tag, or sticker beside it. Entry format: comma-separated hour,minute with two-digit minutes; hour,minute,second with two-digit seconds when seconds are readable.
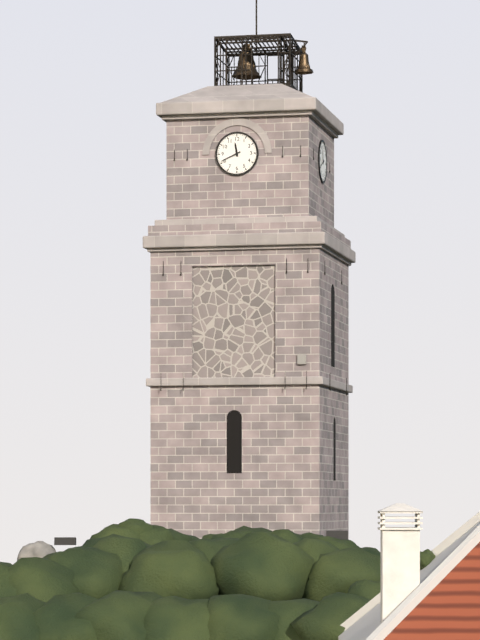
11,41
